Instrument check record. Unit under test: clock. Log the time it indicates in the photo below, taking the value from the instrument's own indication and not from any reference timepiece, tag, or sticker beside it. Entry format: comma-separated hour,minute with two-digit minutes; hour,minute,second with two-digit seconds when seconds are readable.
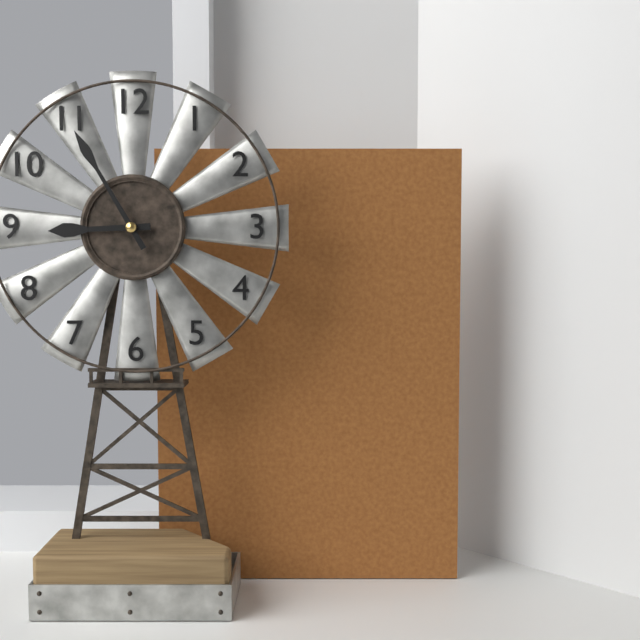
8,55
